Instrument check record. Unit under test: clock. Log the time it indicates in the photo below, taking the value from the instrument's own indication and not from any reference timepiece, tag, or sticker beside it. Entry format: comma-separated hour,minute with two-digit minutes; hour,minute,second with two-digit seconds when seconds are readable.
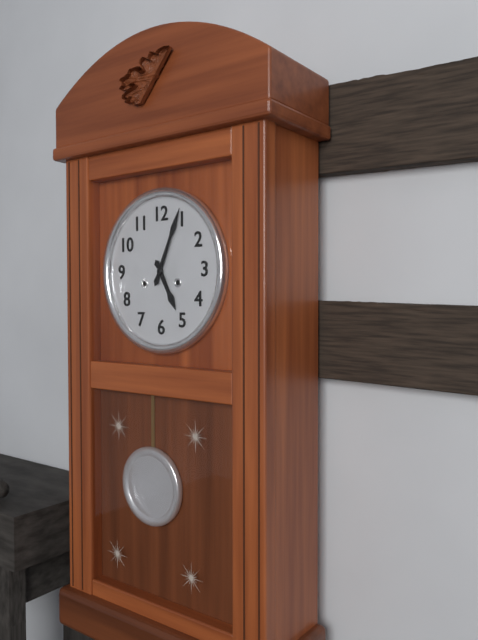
5,04
